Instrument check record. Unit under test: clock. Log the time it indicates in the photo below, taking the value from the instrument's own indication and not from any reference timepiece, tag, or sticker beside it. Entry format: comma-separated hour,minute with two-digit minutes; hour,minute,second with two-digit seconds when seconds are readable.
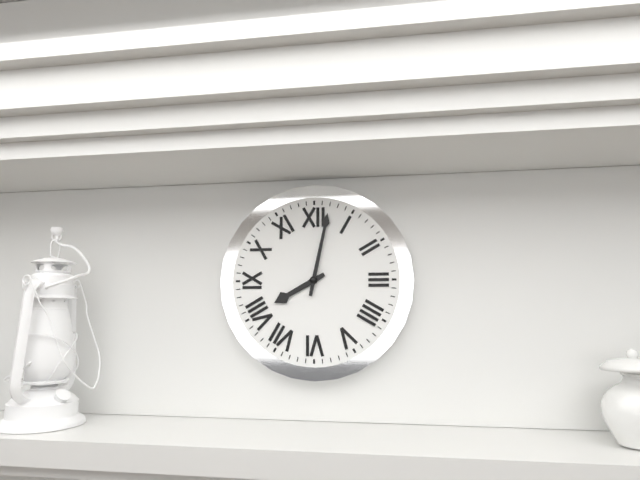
8,02
